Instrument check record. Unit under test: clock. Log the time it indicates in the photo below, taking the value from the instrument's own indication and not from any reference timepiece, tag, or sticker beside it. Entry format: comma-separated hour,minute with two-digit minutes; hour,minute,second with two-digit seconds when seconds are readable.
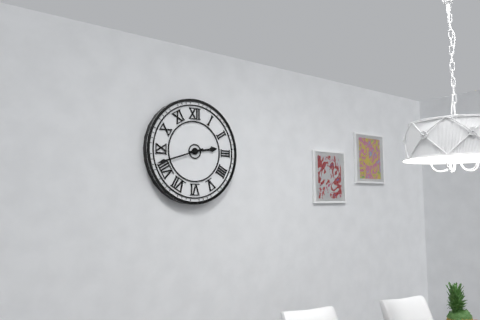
2,42
